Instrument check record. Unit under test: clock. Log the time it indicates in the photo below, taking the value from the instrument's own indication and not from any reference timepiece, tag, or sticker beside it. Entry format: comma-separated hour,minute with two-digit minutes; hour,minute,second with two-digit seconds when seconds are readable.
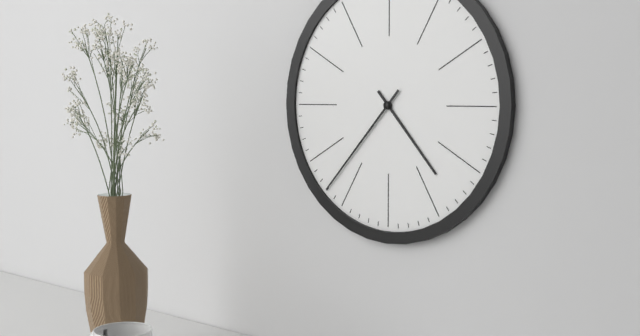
4,37
